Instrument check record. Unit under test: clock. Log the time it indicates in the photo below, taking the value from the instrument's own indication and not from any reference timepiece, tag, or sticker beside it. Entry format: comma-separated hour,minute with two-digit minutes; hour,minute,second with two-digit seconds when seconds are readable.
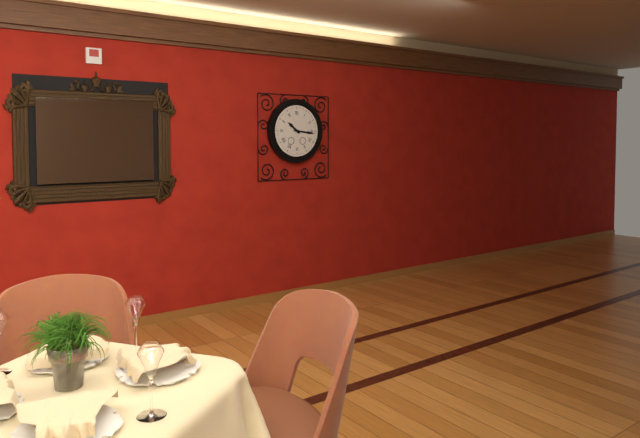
10,16
